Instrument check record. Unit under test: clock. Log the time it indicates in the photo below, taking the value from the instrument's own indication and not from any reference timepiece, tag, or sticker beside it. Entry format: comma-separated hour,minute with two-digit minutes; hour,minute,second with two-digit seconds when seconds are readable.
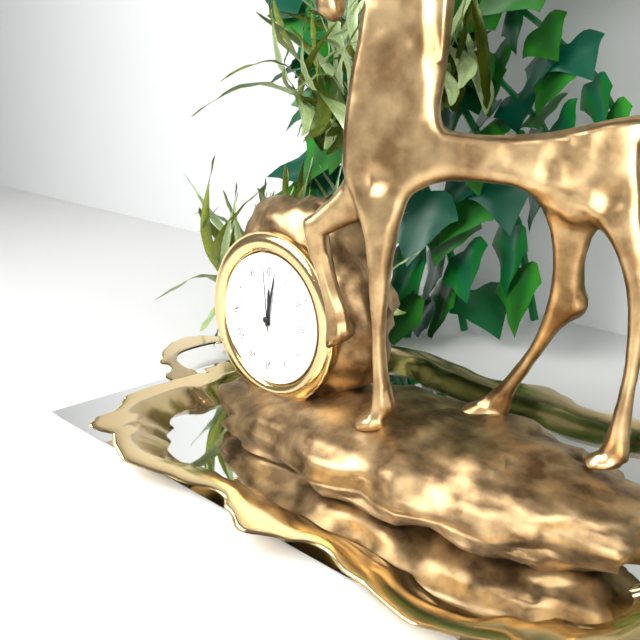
12,02,59
